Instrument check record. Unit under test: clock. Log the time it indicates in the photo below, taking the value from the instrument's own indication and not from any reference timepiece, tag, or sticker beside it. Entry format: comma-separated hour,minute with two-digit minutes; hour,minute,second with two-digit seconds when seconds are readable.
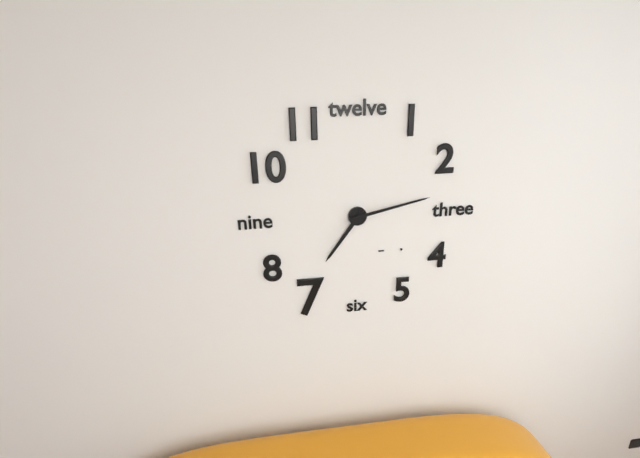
7,13
